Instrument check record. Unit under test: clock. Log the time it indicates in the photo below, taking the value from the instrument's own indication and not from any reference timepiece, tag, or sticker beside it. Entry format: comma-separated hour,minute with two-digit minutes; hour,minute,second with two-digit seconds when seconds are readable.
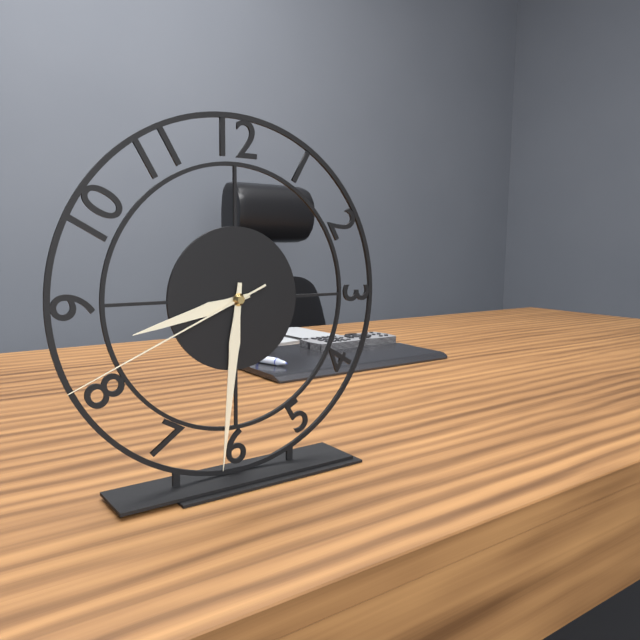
8,31,41
